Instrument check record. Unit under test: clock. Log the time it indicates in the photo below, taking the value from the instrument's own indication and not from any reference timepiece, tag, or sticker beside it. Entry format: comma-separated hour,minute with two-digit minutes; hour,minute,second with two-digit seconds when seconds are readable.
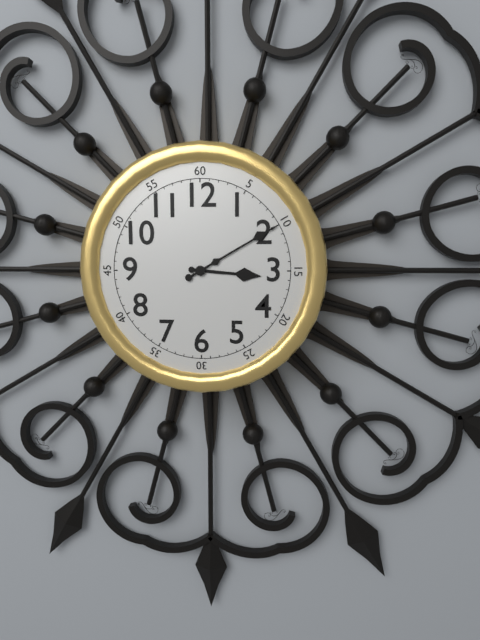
3,10
